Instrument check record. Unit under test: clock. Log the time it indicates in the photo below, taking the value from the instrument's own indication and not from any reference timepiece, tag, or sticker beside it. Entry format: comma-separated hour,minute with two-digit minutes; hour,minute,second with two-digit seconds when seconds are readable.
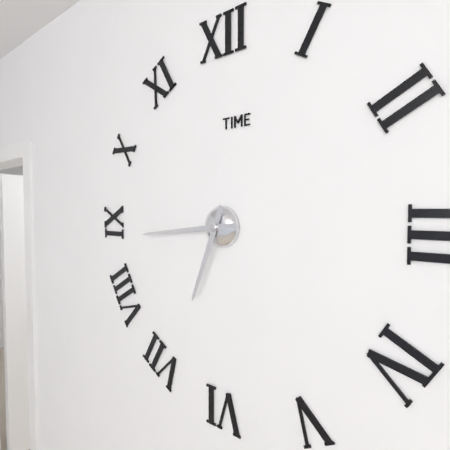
6,44
